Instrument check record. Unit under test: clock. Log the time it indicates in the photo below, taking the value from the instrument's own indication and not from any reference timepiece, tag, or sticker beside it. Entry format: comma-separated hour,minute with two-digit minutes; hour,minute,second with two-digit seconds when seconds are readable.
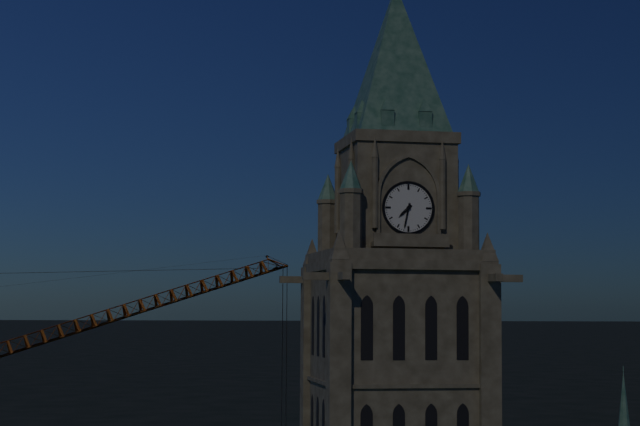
7,32
